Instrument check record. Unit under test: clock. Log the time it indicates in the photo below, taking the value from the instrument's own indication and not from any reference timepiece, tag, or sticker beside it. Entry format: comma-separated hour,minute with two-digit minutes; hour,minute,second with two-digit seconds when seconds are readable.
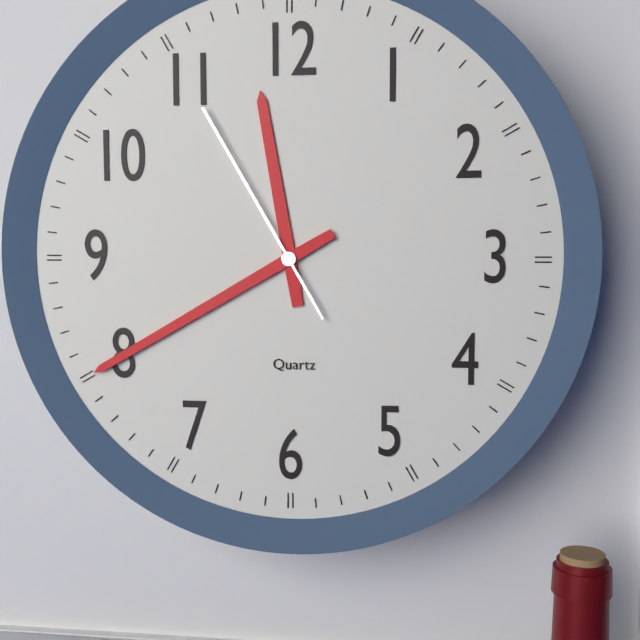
11,40,55
